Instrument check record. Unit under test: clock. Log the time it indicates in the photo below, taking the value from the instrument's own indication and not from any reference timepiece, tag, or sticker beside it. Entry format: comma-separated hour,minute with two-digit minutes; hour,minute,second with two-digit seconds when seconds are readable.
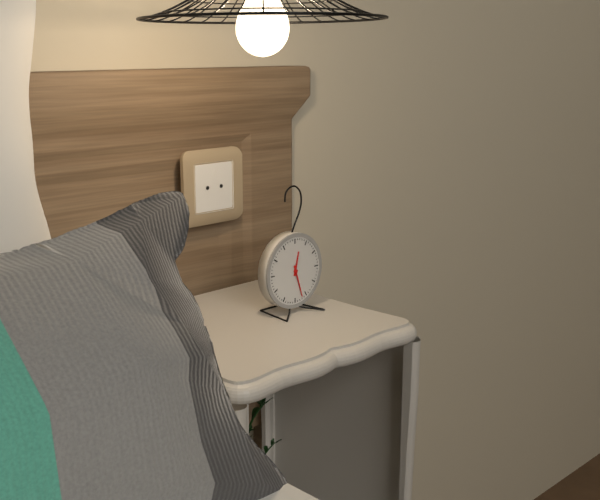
12,27
